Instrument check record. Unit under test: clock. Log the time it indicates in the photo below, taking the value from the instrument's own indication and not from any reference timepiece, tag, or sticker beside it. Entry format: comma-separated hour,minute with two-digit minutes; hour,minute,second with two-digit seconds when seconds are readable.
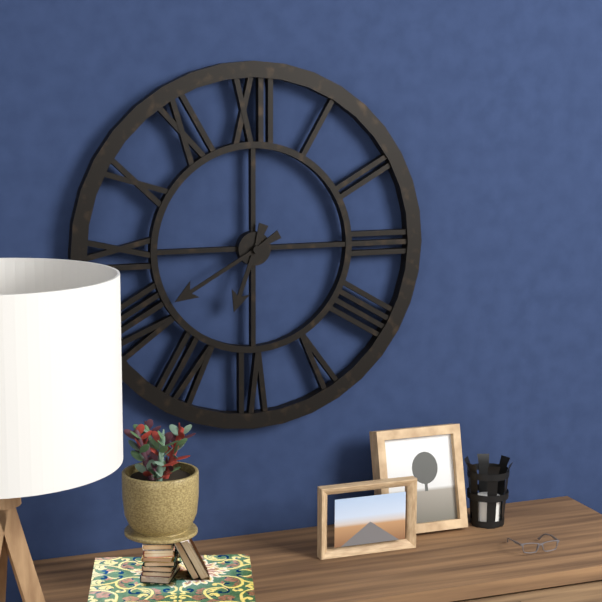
6,40
